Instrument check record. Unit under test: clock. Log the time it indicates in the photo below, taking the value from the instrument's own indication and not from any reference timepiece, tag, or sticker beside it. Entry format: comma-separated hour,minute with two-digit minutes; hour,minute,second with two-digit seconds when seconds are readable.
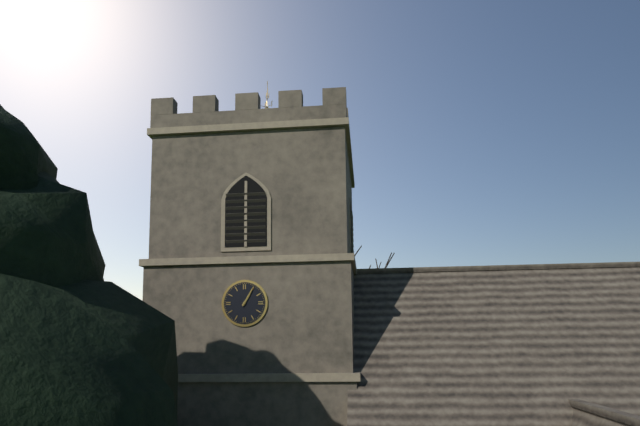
1,05
